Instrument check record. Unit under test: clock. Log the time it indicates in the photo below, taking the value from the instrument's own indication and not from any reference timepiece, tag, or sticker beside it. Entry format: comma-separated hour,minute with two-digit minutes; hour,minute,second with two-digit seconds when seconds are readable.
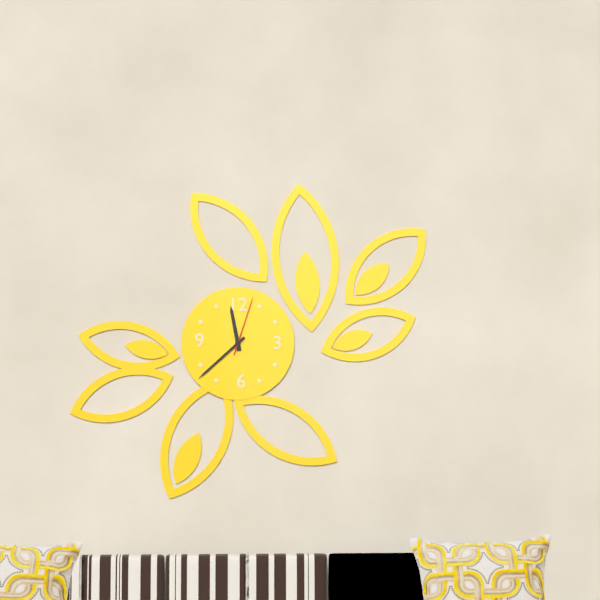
11,38,03
